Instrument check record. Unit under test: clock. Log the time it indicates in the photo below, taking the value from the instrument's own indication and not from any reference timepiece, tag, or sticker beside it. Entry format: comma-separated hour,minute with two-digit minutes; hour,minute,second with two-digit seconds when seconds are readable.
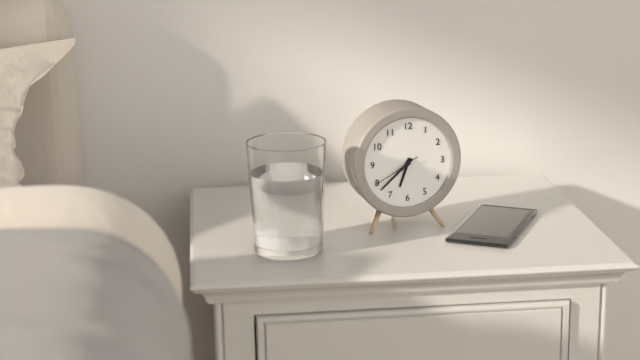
6,38
